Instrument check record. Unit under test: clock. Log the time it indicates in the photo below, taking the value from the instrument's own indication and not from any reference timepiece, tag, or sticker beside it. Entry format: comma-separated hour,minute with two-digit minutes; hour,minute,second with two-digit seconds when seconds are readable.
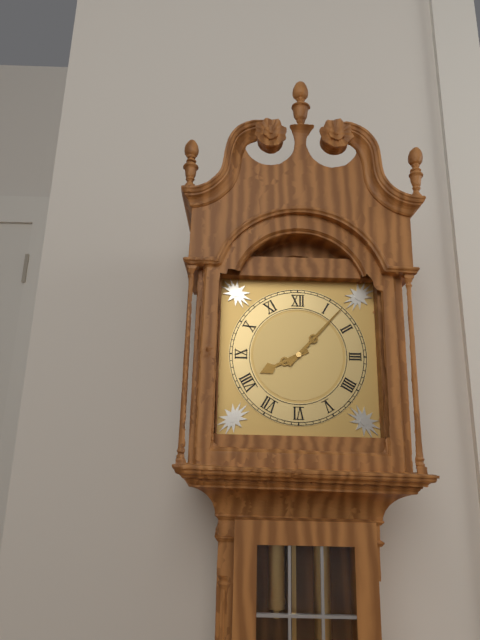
8,07
